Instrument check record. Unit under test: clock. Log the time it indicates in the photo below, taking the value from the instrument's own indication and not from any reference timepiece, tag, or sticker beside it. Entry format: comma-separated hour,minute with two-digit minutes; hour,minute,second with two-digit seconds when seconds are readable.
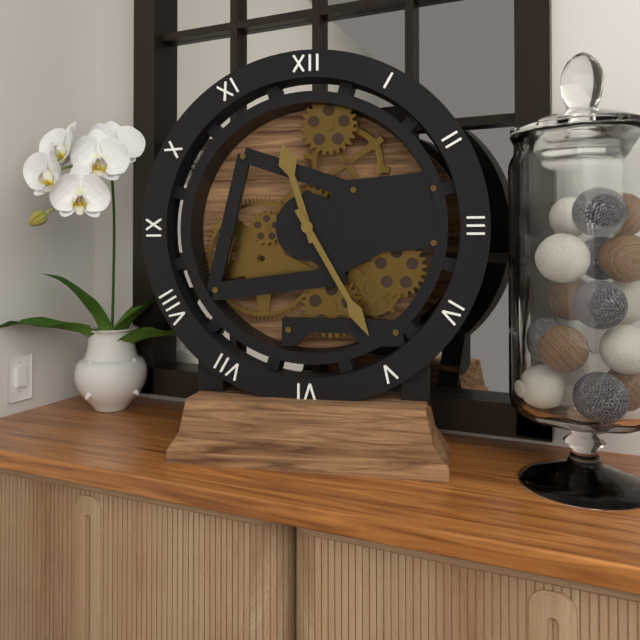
11,25
